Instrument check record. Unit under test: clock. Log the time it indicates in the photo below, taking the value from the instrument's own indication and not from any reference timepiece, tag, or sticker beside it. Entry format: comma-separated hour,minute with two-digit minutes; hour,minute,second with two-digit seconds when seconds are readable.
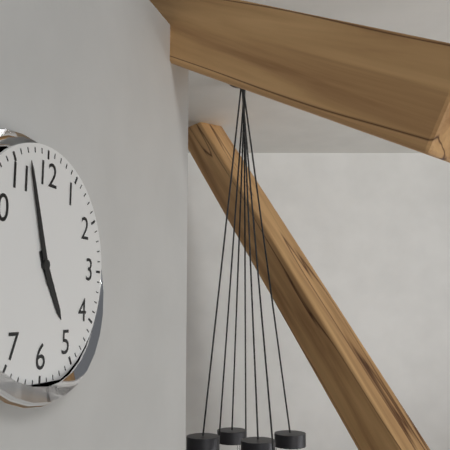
4,57
